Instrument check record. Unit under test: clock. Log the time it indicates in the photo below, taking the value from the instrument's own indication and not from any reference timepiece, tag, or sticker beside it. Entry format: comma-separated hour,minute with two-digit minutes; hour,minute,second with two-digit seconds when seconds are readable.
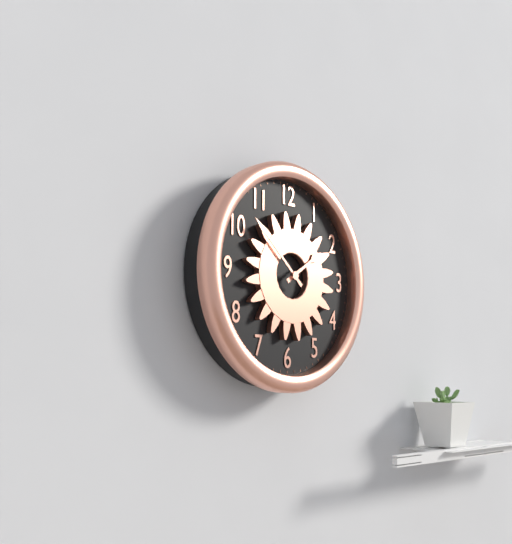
1,52
